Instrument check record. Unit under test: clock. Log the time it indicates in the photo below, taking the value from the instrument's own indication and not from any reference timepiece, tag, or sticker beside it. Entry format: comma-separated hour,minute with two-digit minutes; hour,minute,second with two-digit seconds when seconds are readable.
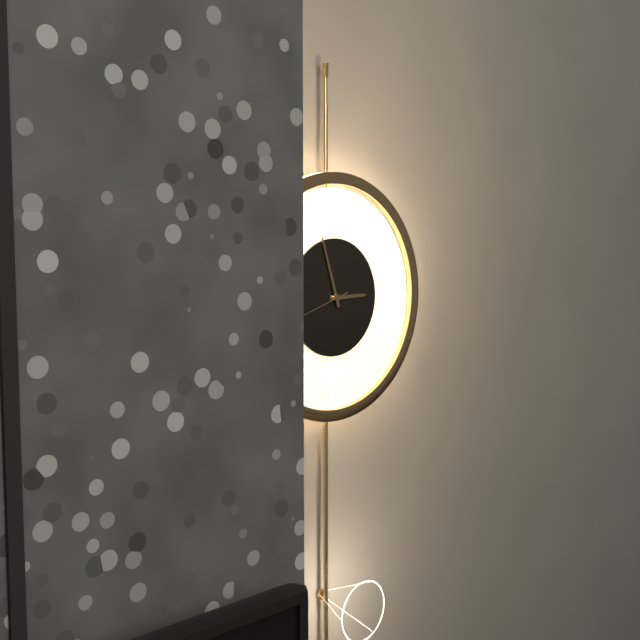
2,57,42
